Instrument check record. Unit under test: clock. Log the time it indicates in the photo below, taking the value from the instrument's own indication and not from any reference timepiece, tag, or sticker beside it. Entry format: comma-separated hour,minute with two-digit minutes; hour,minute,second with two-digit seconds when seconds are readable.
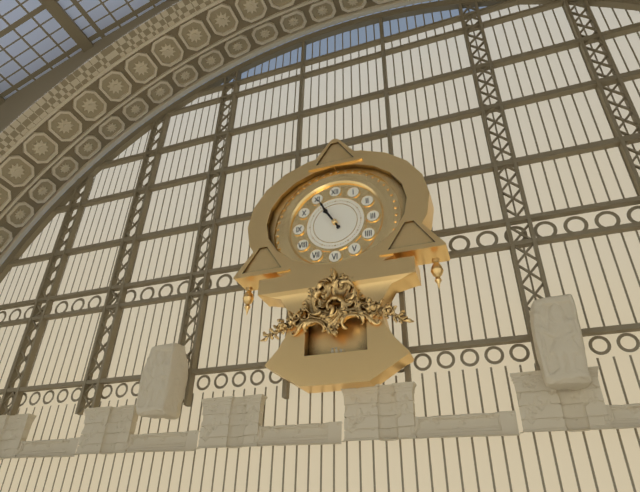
10,55
